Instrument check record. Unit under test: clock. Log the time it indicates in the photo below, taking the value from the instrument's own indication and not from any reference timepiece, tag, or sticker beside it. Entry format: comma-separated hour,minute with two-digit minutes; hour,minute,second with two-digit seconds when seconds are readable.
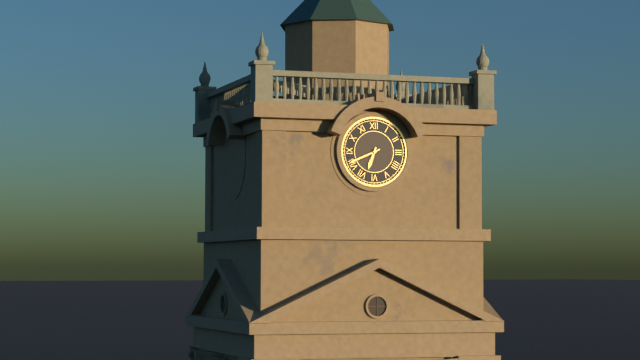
6,41
